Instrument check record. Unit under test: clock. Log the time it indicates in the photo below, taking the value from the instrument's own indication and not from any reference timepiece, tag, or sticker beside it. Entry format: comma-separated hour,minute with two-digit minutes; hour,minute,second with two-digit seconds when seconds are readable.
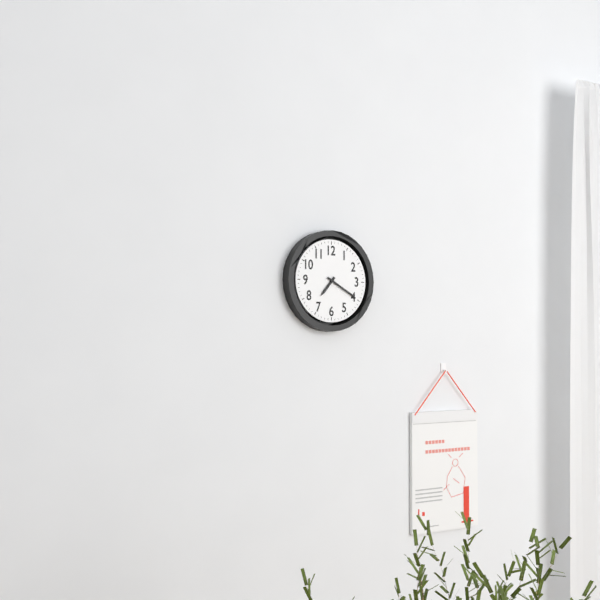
7,20
